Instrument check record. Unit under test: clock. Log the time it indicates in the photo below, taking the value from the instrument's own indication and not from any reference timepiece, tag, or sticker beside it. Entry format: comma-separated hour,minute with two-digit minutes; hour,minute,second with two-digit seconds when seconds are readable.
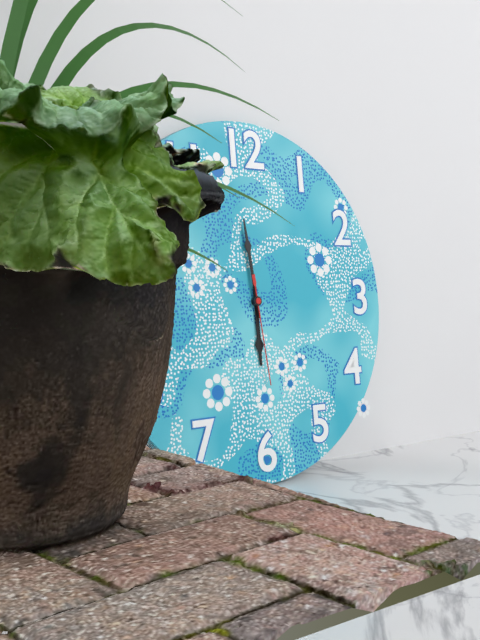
5,59,29
